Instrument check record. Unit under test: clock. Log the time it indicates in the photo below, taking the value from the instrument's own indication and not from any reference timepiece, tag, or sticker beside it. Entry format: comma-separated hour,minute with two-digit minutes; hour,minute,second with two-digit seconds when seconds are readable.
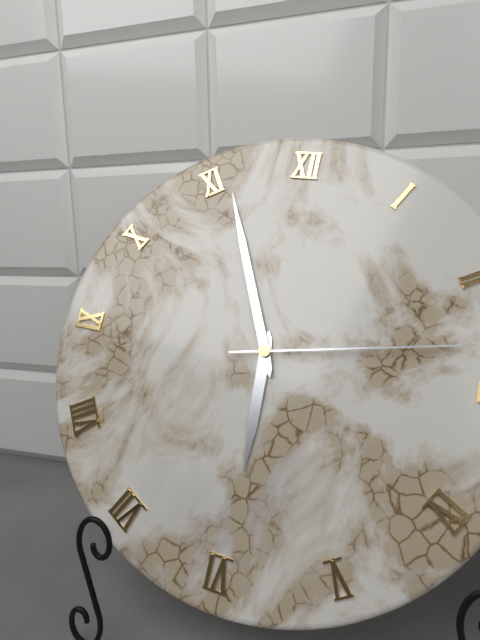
5,56,13
